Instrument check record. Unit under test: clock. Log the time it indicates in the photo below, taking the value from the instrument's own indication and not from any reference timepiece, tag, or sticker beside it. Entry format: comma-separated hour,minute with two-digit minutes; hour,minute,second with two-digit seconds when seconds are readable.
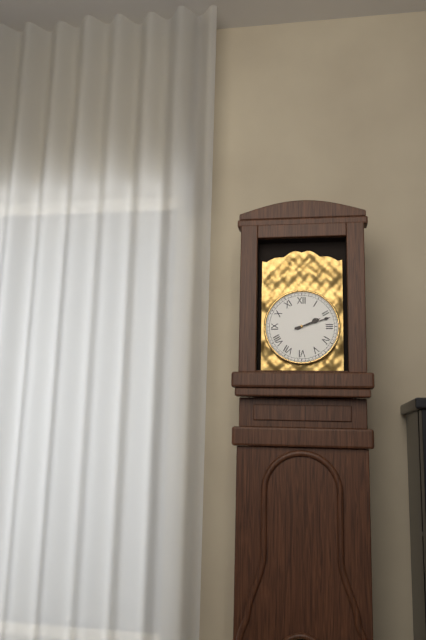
2,12
